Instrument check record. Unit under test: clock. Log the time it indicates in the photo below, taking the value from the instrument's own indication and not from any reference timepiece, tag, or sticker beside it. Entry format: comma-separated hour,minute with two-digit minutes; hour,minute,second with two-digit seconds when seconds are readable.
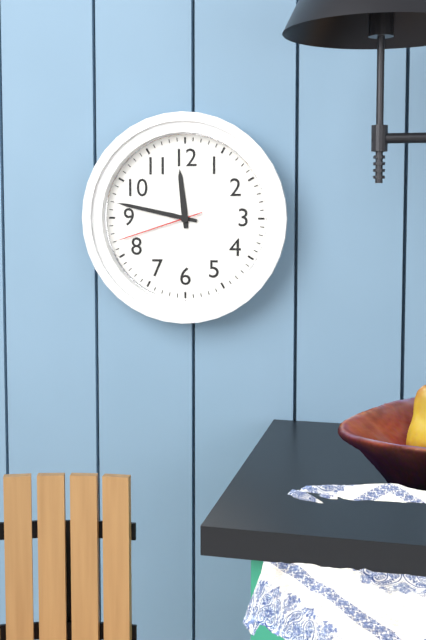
11,47,42
